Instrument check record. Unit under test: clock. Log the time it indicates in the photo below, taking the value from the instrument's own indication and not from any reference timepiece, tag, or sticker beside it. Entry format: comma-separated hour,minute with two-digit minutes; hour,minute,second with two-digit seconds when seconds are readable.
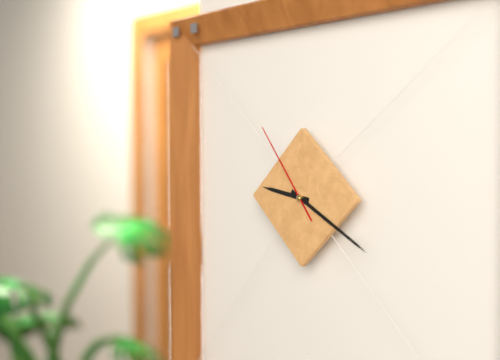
9,20,54
